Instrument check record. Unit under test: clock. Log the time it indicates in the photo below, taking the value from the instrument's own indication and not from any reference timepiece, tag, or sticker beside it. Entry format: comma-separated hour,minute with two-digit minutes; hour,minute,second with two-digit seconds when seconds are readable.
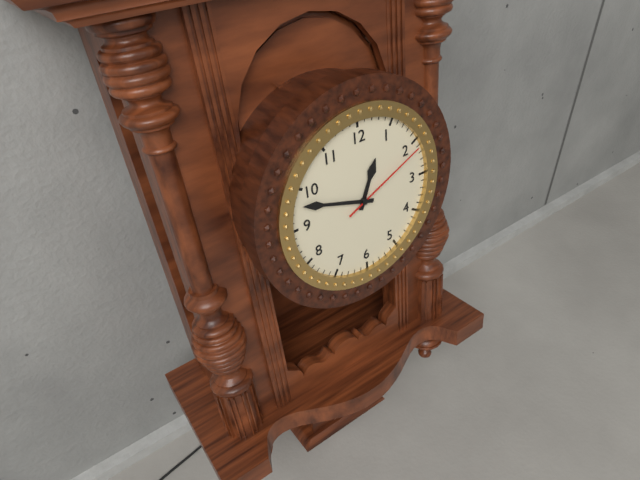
12,48,11
